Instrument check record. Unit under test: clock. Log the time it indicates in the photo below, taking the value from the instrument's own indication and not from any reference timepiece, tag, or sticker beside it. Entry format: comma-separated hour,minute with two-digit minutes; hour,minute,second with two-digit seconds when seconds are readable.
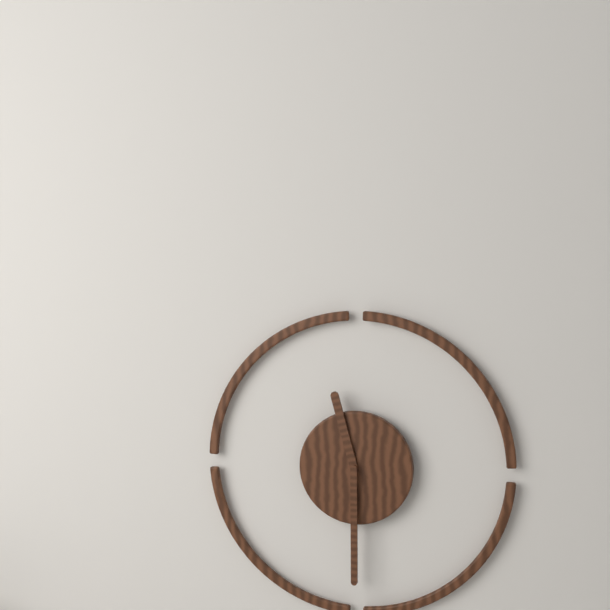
11,30
